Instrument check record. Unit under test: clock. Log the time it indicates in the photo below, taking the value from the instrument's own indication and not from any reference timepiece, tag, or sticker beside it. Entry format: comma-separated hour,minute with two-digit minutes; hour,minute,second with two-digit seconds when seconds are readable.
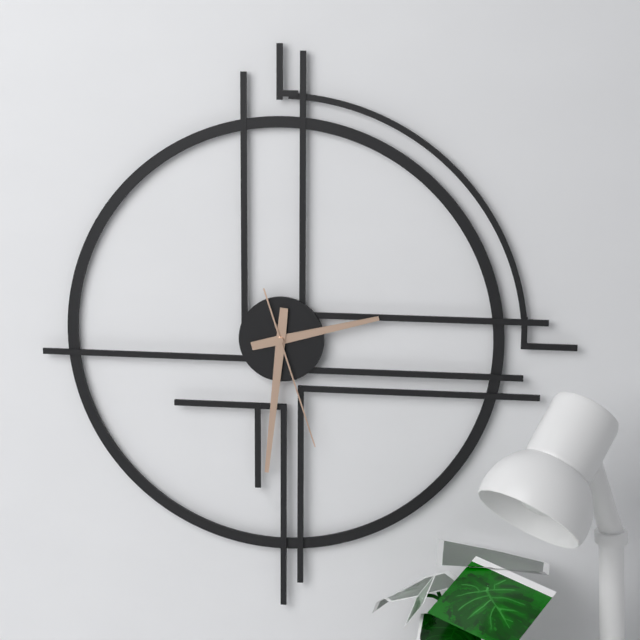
2,31,27
